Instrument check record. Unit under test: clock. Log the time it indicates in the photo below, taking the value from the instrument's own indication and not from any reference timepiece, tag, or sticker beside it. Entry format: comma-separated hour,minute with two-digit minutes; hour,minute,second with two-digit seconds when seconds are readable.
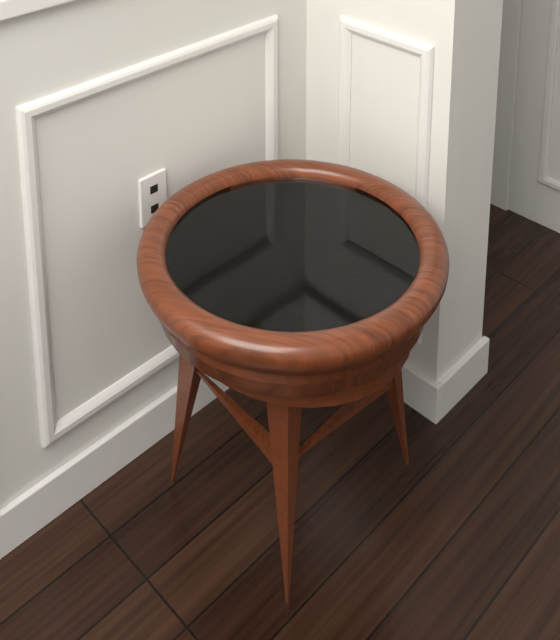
9,01
